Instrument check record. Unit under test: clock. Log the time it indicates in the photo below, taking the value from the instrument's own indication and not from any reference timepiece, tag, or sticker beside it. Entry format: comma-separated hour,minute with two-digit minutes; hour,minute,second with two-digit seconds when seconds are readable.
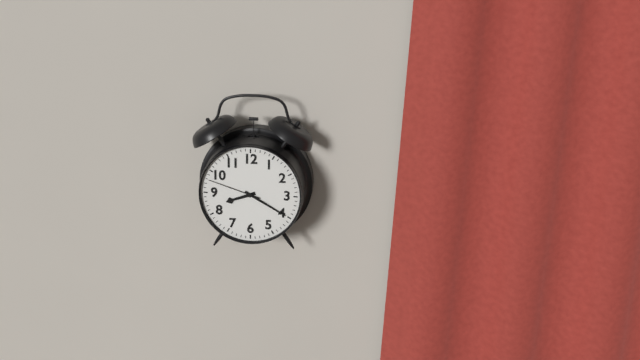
8,20,48
